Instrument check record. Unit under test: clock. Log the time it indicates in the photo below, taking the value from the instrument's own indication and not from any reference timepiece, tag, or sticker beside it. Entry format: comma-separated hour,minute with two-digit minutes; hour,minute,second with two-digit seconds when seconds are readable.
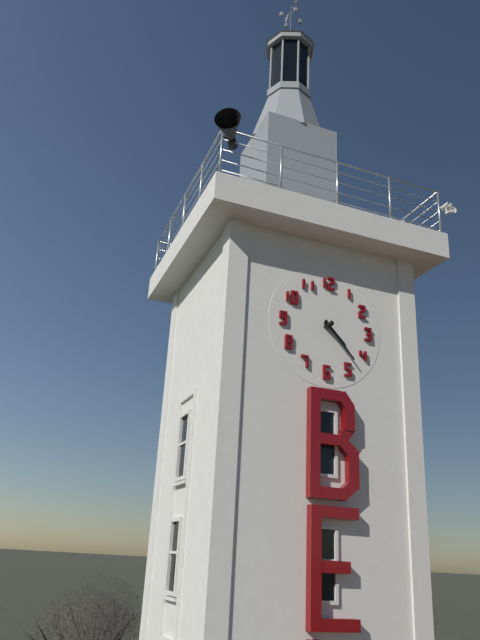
4,23
